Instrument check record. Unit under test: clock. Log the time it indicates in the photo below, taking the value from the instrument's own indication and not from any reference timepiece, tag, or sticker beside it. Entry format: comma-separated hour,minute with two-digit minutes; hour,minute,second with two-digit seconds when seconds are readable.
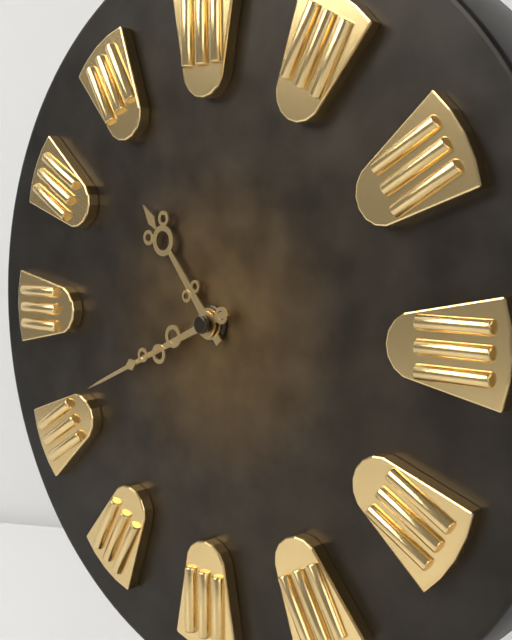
10,41
